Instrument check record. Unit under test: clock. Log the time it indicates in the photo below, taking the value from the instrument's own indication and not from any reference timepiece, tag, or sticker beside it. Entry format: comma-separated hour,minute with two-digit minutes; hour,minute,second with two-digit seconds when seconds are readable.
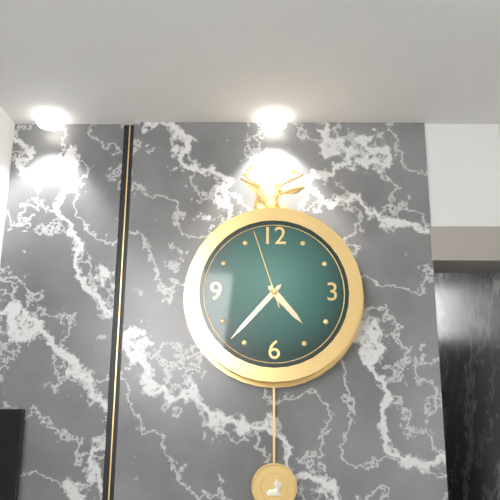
4,37,57
